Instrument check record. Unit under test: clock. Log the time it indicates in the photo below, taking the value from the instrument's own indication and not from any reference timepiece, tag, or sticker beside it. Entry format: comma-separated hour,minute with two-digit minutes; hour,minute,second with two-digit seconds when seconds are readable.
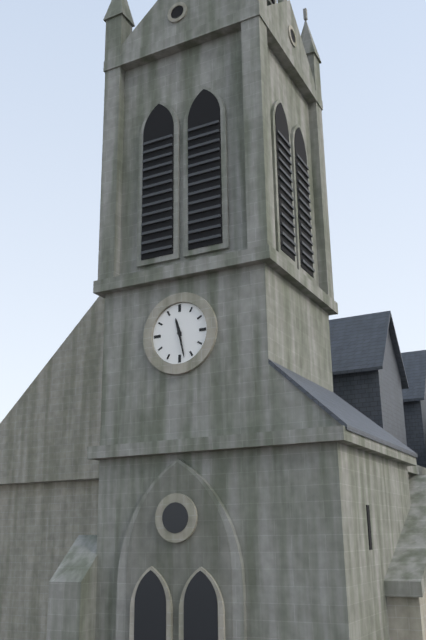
11,28
